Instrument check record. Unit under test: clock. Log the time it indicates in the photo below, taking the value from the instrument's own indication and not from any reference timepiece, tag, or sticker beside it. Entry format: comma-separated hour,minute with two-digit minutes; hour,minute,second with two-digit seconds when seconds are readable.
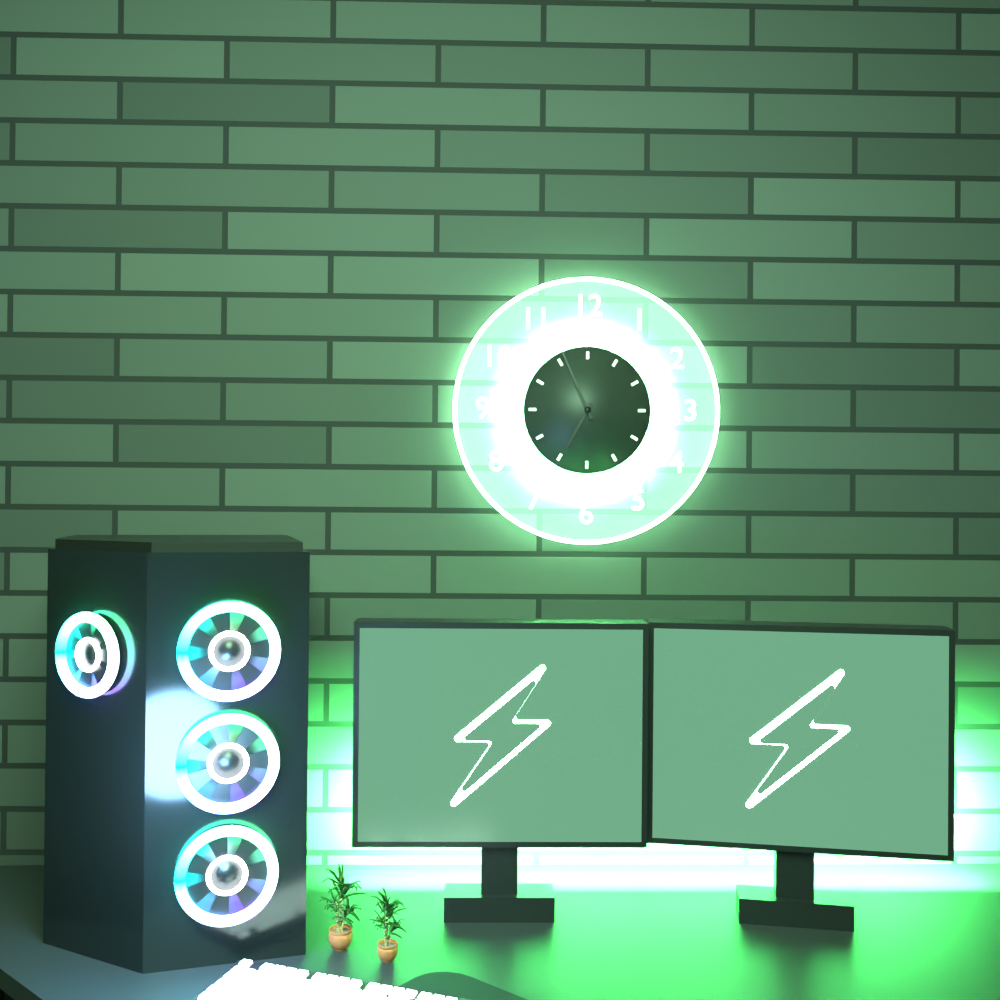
6,56
